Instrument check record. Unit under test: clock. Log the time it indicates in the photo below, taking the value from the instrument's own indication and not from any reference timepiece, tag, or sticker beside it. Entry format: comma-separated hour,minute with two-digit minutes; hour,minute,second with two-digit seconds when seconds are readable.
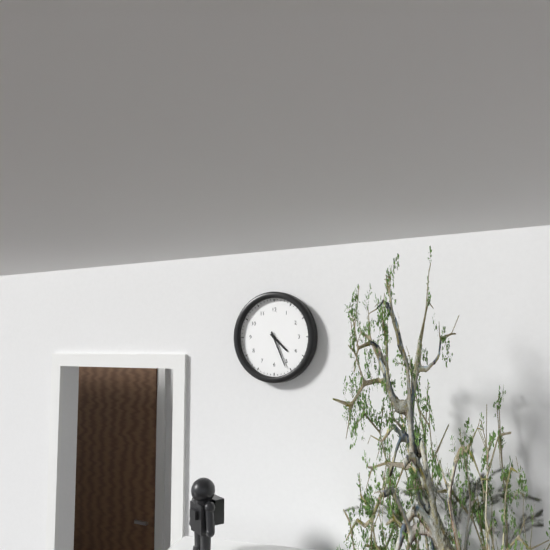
4,26
